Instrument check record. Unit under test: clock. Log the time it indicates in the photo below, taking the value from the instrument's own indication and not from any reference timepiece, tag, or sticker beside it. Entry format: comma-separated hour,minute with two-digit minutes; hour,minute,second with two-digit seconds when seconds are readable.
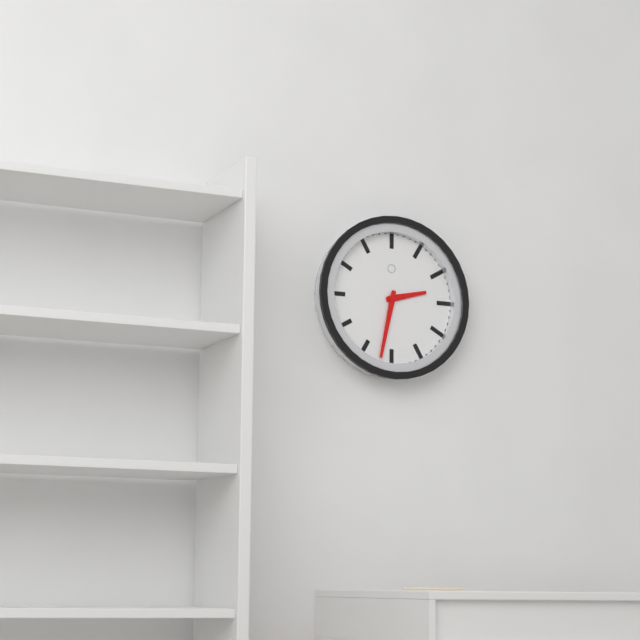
2,32
